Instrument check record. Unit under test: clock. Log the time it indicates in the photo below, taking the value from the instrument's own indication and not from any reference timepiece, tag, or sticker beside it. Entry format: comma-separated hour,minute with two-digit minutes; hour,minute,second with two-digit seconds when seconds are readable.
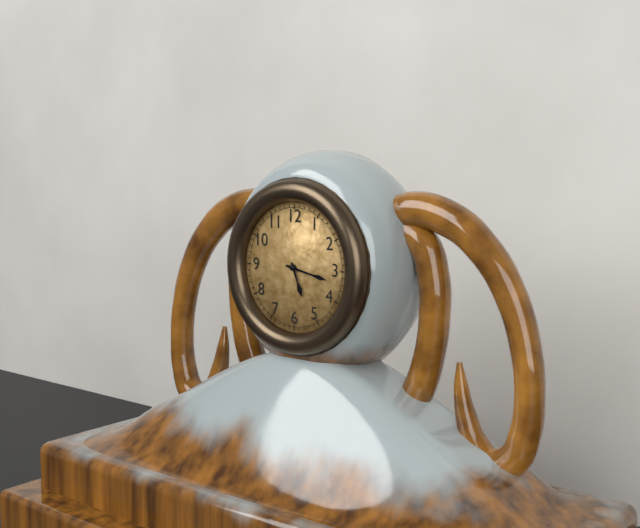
5,17
